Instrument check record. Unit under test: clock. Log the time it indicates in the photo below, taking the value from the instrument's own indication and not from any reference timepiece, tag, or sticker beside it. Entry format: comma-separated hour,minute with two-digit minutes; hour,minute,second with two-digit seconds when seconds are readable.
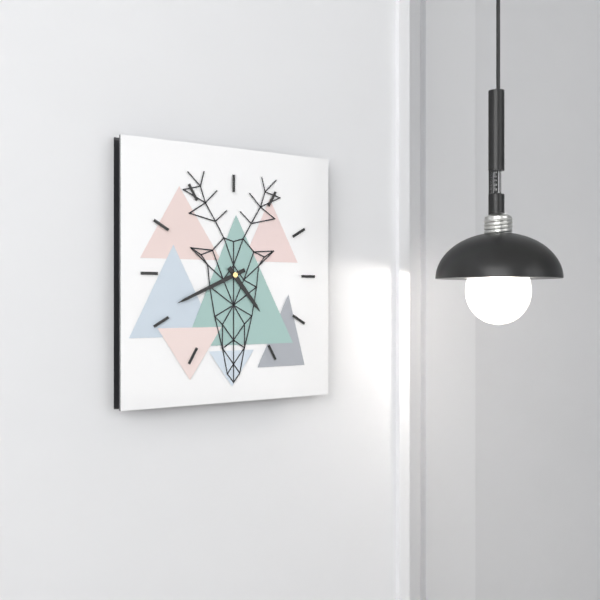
4,41
